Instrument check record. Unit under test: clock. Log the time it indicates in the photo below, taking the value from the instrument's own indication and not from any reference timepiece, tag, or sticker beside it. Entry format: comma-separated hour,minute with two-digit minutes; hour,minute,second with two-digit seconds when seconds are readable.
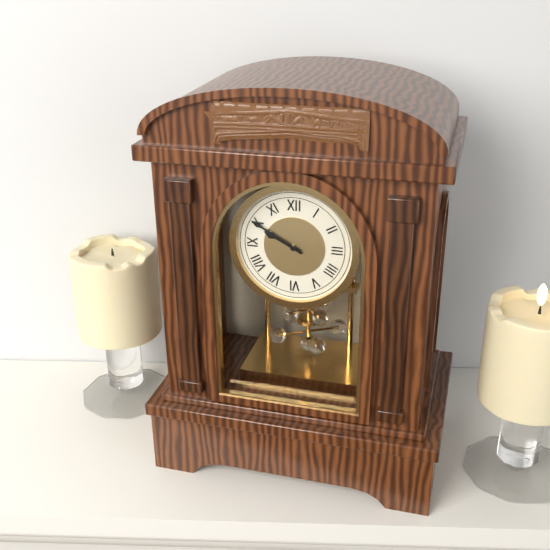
9,50
